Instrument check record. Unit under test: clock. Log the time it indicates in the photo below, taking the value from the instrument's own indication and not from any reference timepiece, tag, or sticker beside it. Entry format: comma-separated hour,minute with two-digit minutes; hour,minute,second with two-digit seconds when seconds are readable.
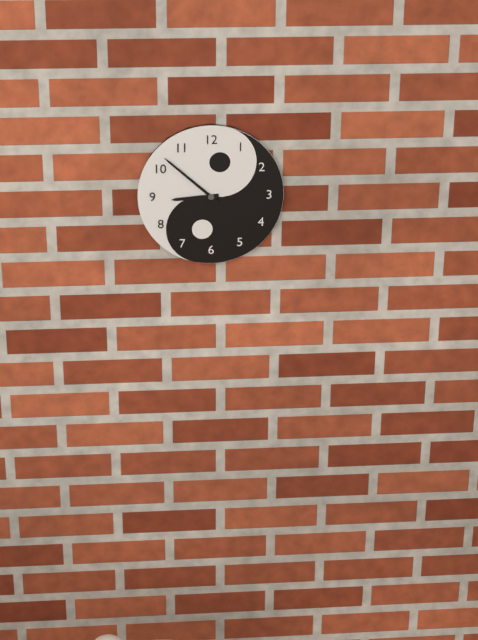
8,52
